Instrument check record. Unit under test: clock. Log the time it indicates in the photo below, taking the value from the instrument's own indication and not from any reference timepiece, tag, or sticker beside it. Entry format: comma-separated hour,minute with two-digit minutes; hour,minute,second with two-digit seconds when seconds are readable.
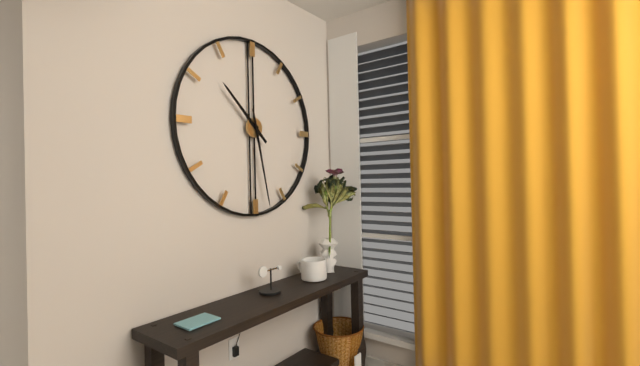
10,28
